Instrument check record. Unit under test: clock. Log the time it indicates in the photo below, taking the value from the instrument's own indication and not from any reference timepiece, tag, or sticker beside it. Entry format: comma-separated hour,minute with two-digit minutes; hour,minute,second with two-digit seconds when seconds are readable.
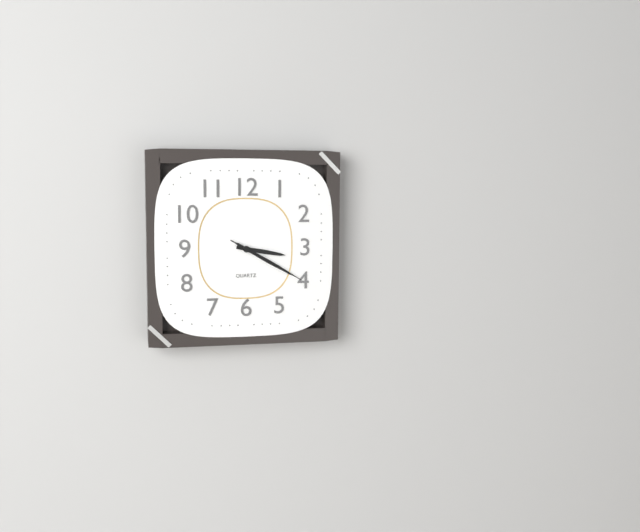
3,20,20
